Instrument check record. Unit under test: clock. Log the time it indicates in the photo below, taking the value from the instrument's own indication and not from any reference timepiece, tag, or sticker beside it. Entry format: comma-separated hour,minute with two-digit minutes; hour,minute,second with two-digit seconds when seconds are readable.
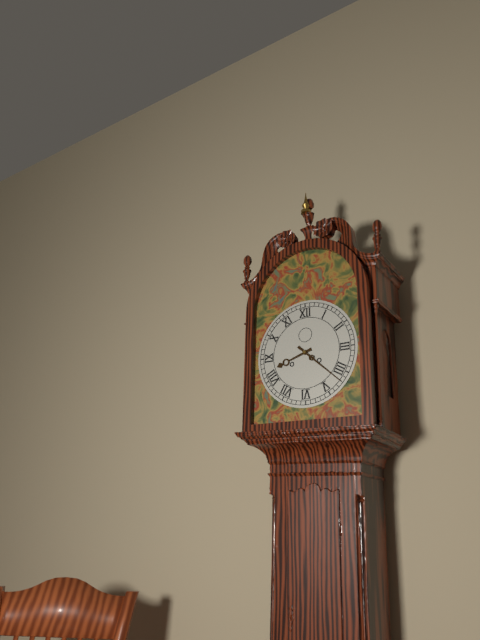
8,22
